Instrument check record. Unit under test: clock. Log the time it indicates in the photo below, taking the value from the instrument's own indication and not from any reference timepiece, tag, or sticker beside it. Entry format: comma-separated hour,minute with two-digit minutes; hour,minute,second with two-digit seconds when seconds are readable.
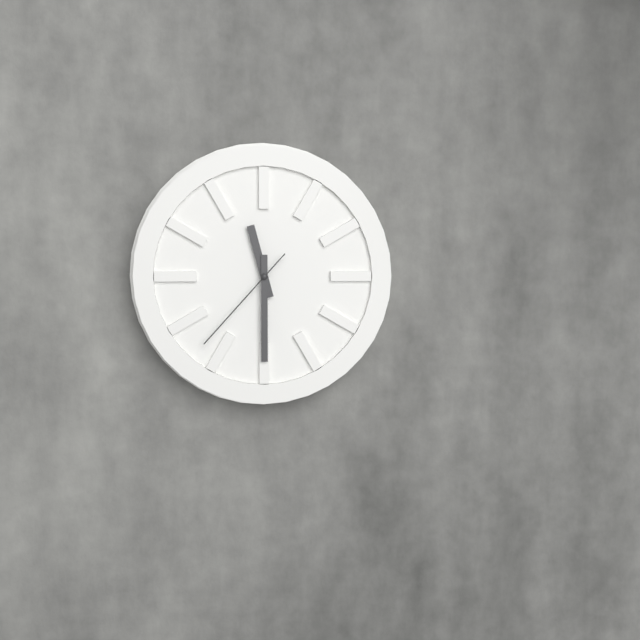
11,30,37
